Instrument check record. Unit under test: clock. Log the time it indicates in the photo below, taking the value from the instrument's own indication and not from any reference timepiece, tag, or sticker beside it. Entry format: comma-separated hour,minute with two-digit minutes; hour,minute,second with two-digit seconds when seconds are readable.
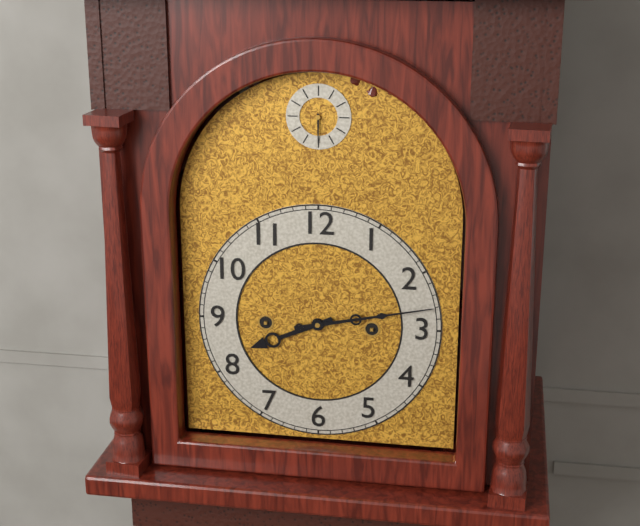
8,13
